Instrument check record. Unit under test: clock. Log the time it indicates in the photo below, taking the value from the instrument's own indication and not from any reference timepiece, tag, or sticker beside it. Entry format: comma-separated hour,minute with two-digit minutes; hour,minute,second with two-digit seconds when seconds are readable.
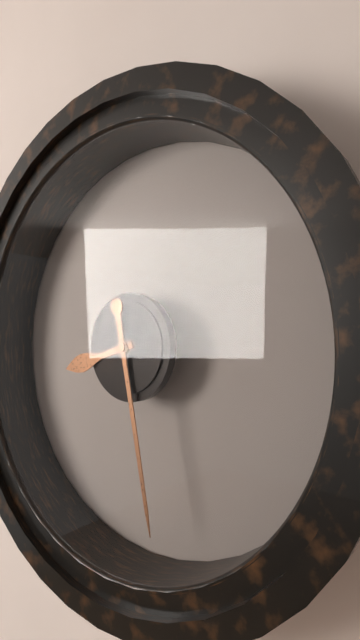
8,28
